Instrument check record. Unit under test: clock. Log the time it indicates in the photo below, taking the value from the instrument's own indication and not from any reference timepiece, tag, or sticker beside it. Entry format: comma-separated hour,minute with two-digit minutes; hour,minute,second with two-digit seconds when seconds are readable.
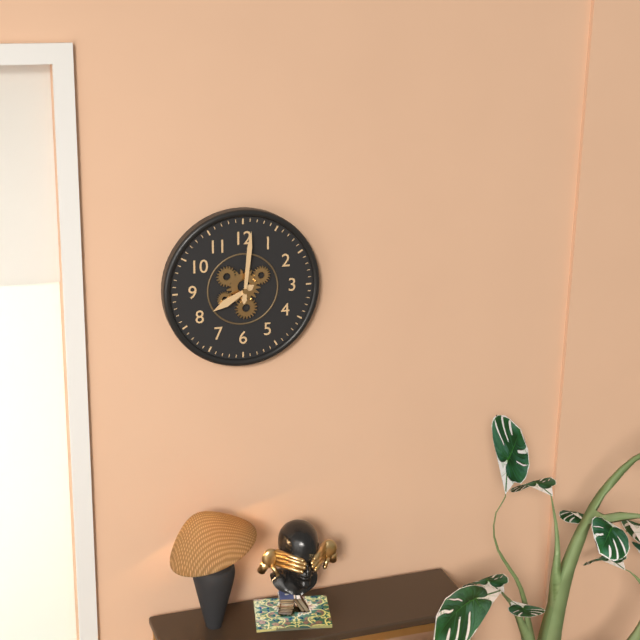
8,01
